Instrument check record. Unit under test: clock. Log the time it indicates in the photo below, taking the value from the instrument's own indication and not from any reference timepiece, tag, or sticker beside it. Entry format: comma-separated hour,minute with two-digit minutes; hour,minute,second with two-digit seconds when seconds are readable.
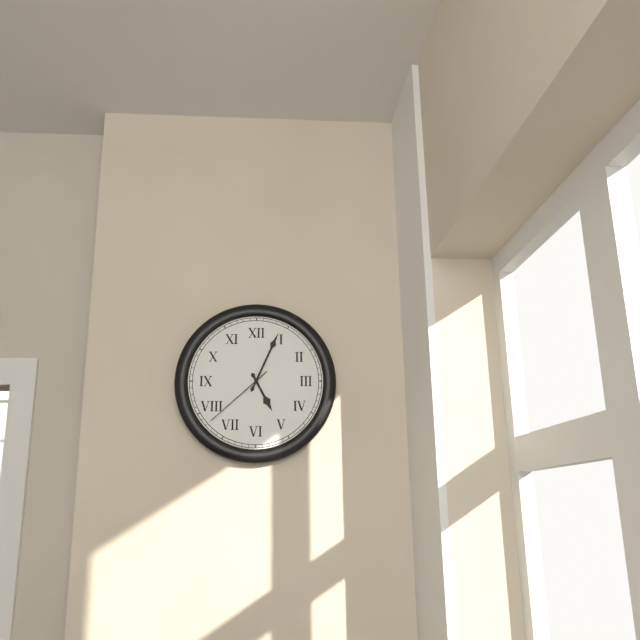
5,04,38
